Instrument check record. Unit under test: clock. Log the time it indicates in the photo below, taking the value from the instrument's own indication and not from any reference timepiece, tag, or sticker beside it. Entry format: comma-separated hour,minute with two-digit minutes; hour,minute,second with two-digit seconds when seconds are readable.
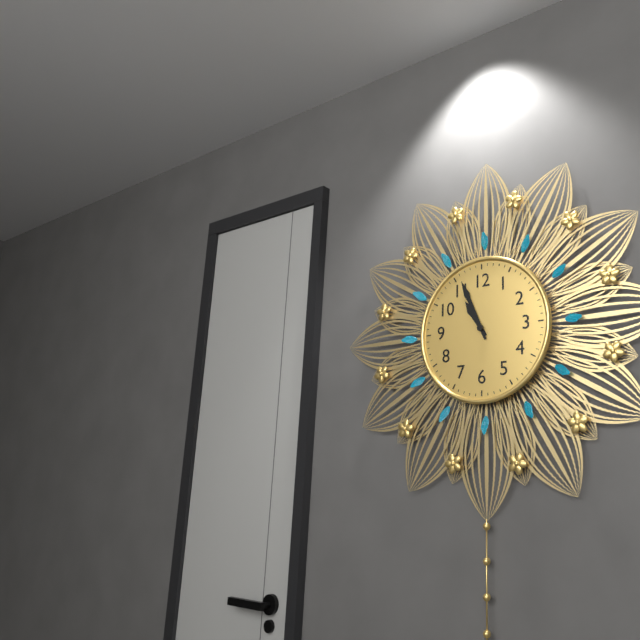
10,56
